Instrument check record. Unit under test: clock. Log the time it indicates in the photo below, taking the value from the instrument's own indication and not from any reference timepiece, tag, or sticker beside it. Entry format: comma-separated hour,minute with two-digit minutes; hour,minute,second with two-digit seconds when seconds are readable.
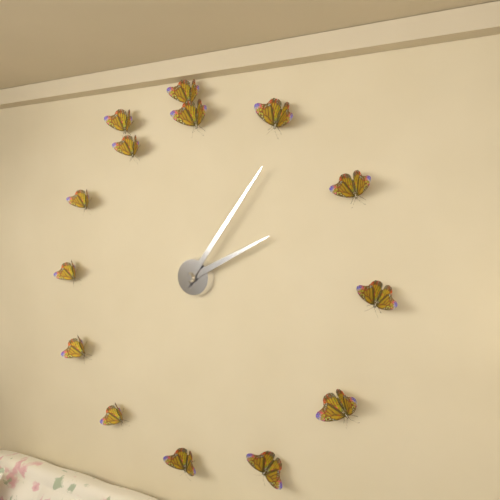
2,06
